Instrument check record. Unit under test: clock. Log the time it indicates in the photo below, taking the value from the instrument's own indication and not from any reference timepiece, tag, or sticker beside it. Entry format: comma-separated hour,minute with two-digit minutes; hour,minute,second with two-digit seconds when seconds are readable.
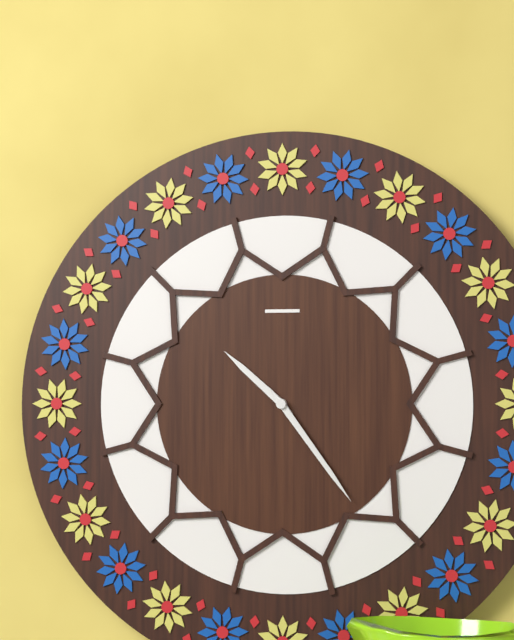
10,24
